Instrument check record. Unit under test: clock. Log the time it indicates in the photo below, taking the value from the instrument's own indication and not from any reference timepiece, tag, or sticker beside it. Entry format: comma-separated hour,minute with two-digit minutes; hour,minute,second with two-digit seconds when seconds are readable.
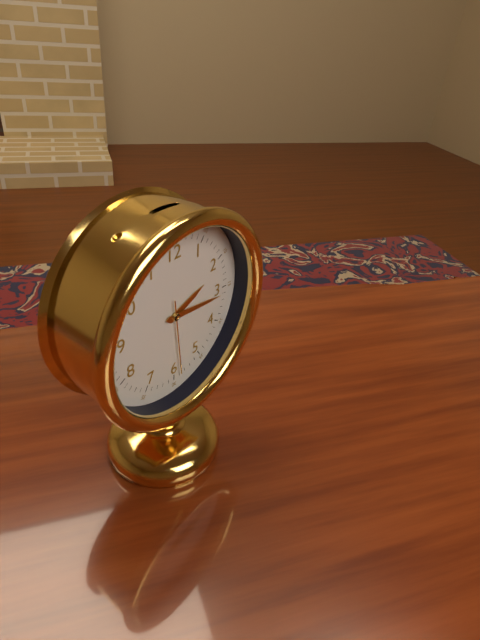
2,16,29
